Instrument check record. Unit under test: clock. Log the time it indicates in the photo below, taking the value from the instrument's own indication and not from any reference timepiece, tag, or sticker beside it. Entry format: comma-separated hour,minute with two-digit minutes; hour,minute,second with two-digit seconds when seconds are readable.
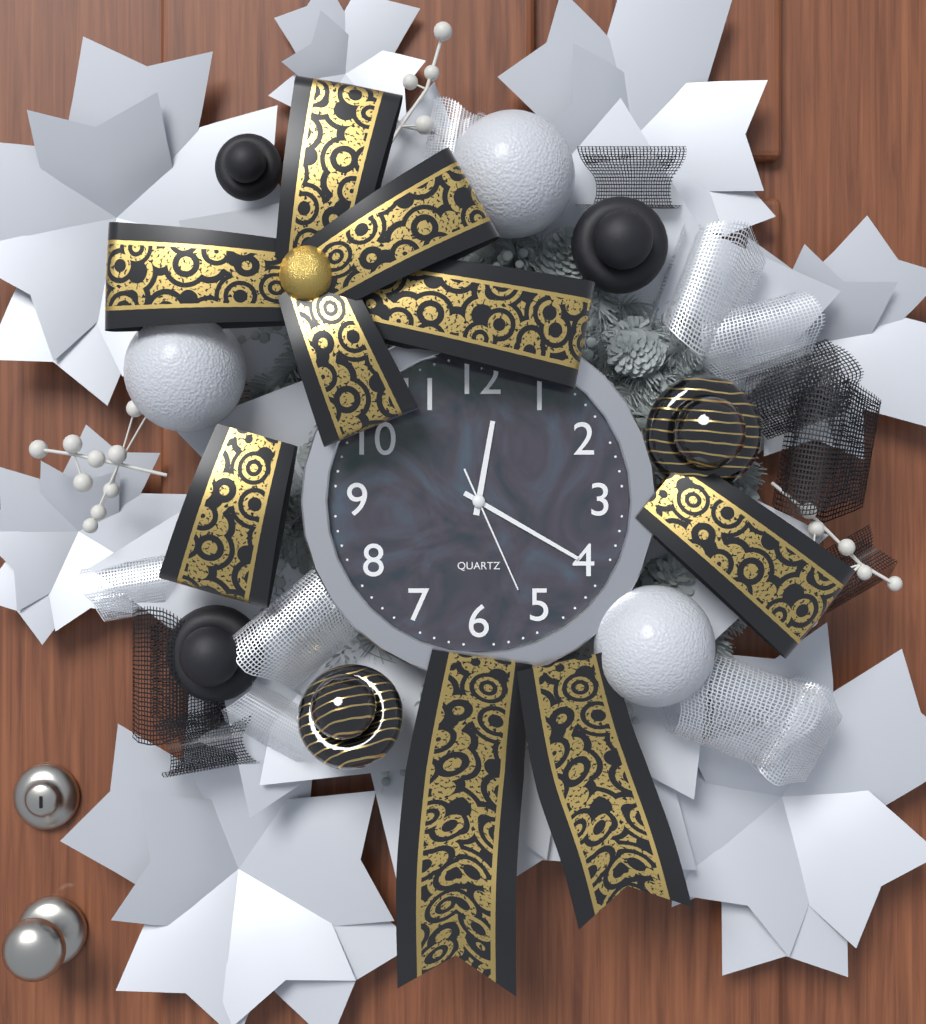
12,20,26
